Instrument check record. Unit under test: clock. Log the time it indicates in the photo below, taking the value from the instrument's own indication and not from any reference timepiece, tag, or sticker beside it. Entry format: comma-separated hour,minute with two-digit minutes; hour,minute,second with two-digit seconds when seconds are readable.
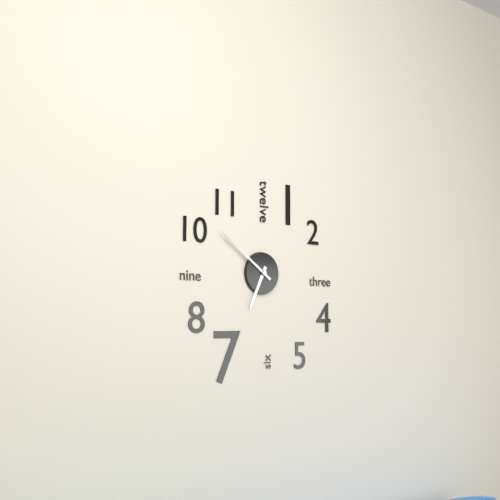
6,51
